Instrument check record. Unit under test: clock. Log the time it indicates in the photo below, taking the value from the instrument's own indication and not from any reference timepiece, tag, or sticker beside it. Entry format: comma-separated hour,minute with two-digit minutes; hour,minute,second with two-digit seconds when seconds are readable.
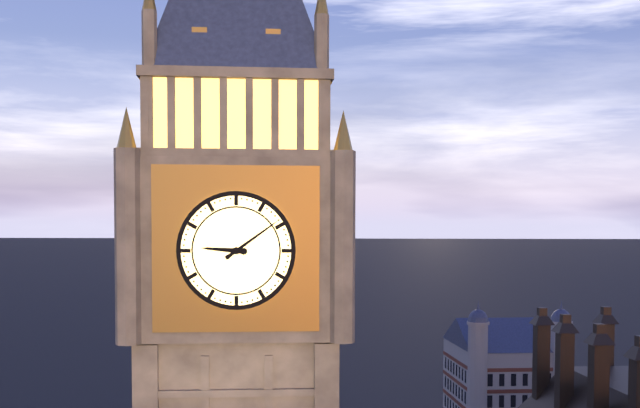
9,09
